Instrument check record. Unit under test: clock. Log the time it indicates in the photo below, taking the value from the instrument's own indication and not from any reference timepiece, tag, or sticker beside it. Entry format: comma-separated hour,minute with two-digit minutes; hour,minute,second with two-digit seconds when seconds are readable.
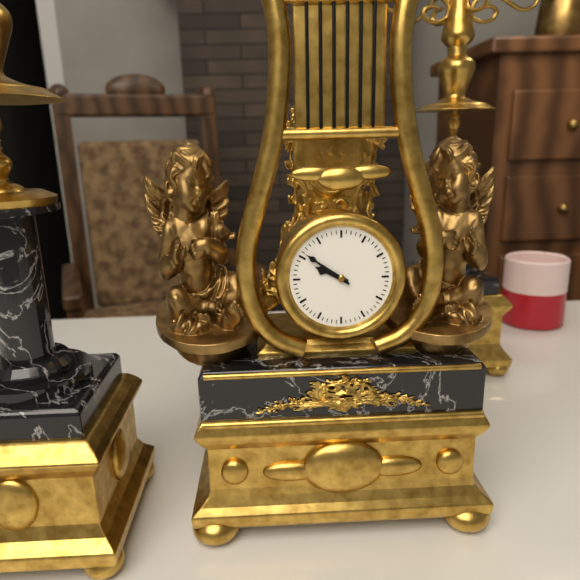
9,51
